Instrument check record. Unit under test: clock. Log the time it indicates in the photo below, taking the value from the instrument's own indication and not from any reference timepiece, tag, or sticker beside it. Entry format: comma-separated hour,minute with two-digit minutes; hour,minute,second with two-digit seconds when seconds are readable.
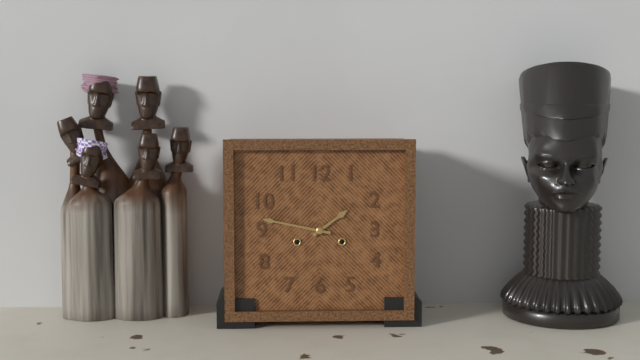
1,47
